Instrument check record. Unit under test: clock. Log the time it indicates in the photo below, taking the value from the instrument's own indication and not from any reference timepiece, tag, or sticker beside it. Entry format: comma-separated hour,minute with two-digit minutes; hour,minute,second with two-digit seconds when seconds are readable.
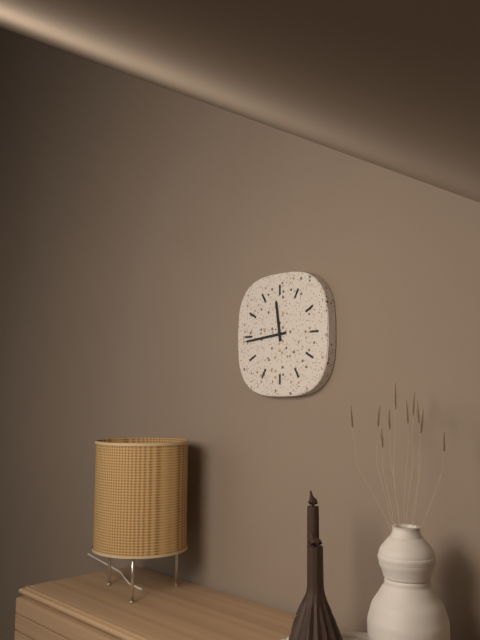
11,44
